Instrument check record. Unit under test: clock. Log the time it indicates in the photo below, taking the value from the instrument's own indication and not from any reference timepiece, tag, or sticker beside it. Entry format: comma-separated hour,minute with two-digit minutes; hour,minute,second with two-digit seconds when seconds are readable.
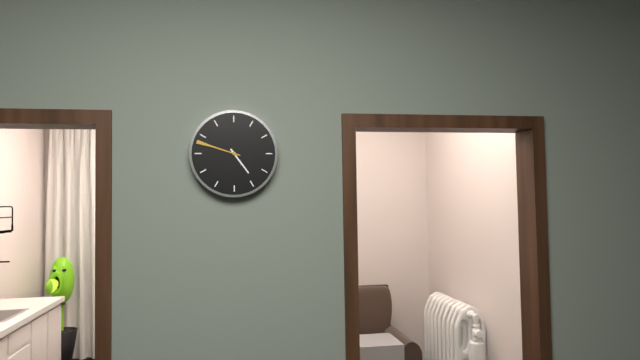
4,48
